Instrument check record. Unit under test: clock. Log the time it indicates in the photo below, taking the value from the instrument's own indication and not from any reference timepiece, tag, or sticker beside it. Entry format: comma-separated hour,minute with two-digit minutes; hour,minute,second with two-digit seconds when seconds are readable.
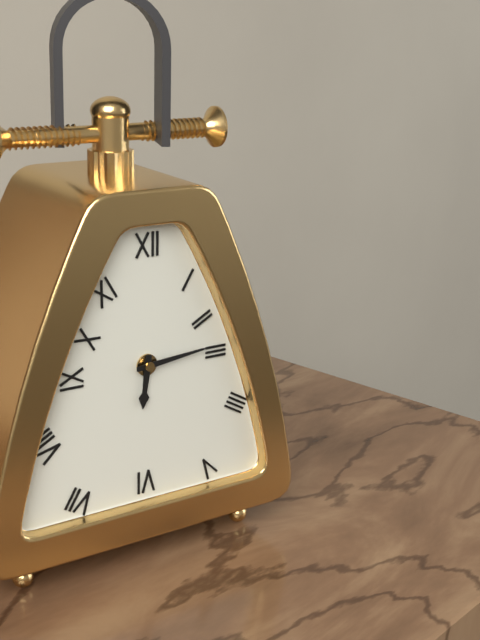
6,14
